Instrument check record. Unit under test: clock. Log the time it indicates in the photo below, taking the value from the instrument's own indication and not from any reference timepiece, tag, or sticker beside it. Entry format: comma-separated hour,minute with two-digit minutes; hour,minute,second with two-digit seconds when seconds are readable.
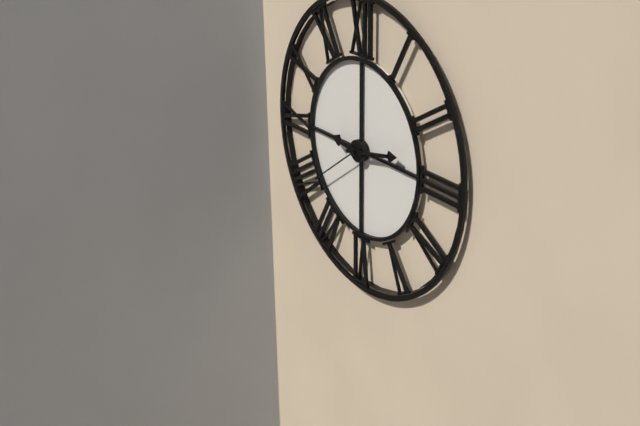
9,13,39
